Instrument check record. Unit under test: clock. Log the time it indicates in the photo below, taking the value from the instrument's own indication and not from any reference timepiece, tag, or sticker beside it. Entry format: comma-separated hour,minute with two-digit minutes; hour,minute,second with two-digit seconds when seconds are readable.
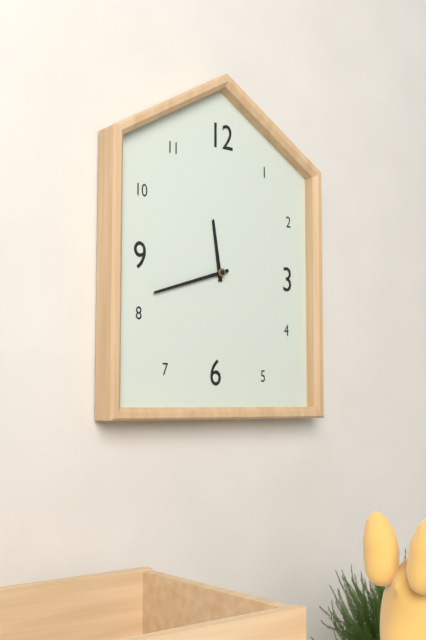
11,42
